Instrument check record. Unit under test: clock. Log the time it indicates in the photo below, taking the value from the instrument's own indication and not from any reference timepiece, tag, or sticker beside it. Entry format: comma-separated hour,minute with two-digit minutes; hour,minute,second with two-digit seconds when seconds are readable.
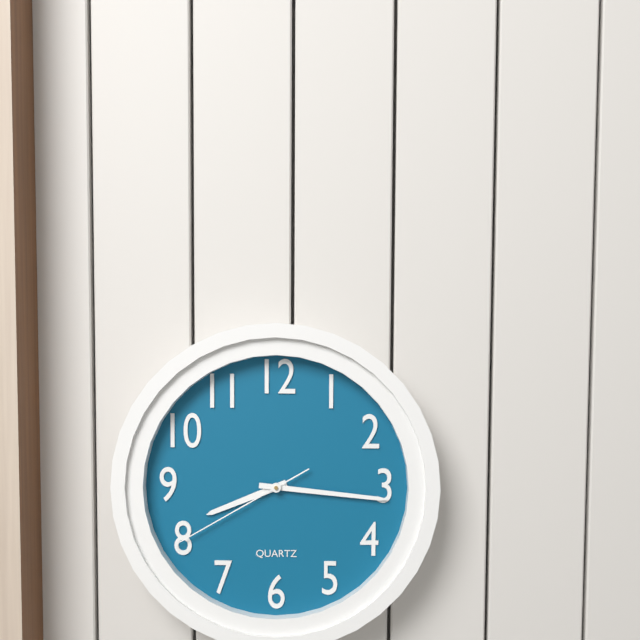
8,16,40
